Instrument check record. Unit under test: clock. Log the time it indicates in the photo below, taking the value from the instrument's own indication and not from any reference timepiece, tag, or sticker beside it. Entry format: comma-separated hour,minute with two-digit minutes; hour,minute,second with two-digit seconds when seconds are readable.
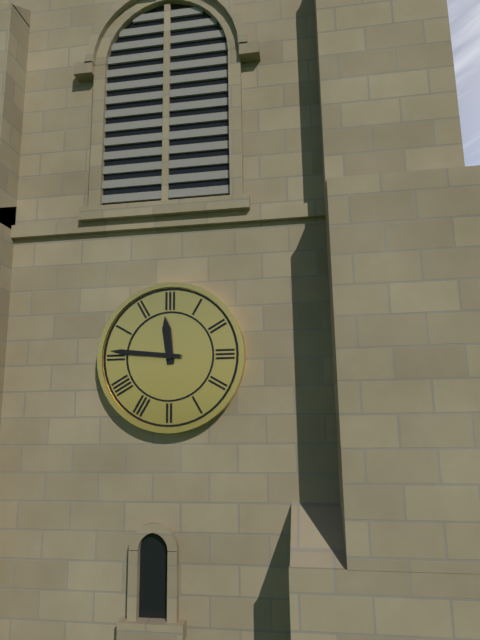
11,46
